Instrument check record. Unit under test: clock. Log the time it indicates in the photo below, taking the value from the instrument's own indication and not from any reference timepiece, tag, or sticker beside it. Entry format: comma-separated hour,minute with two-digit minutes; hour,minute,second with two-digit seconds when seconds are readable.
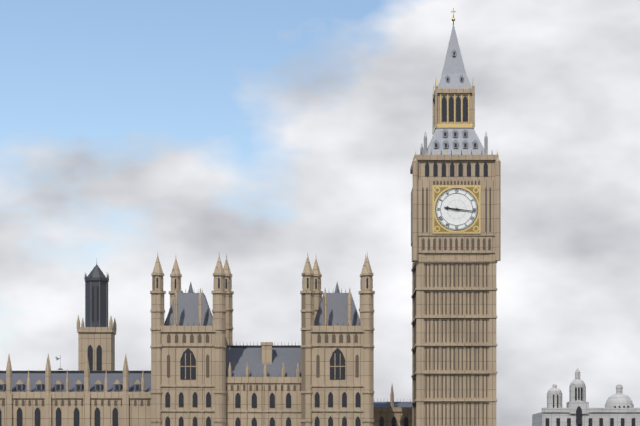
9,16
